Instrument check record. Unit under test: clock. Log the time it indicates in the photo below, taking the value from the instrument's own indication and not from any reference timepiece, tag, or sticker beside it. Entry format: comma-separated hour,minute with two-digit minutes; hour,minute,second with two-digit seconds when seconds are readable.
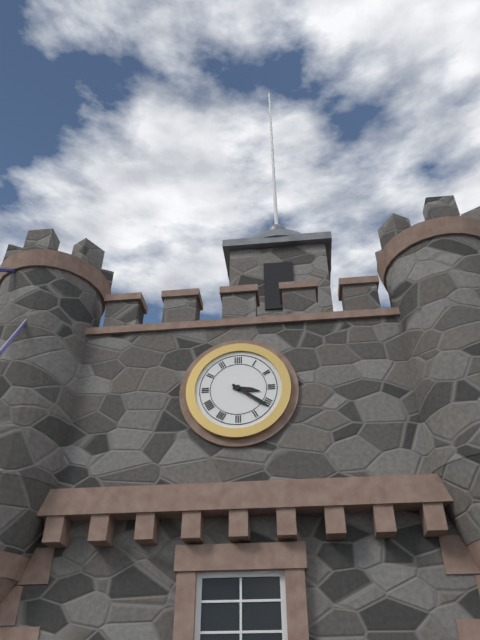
3,21
